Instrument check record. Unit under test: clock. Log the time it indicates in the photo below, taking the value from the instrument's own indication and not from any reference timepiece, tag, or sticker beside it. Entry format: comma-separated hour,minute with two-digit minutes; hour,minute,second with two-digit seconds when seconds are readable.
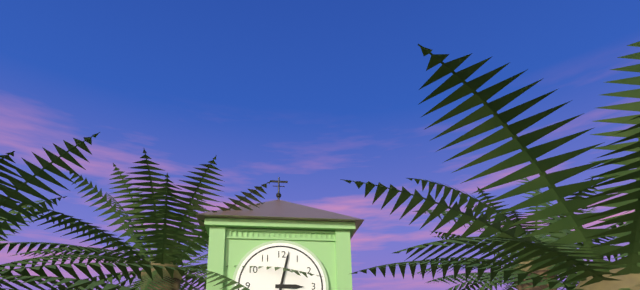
3,02
